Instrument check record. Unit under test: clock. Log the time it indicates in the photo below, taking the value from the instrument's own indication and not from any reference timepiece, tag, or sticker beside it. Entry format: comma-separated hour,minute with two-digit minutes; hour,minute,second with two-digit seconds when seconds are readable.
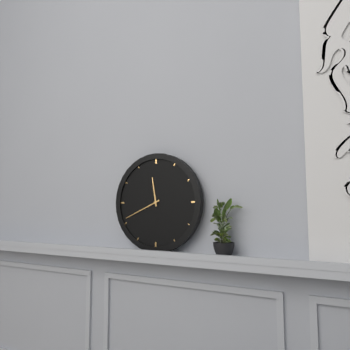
11,41
